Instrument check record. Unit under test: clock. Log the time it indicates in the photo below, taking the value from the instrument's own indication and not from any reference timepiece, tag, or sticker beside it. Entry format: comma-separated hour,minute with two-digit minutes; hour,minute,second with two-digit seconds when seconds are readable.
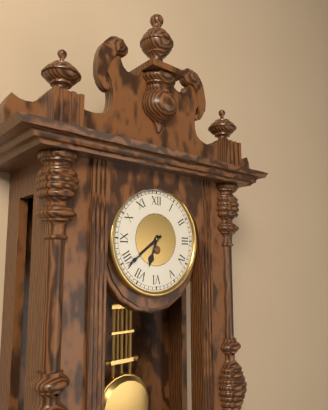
6,39
